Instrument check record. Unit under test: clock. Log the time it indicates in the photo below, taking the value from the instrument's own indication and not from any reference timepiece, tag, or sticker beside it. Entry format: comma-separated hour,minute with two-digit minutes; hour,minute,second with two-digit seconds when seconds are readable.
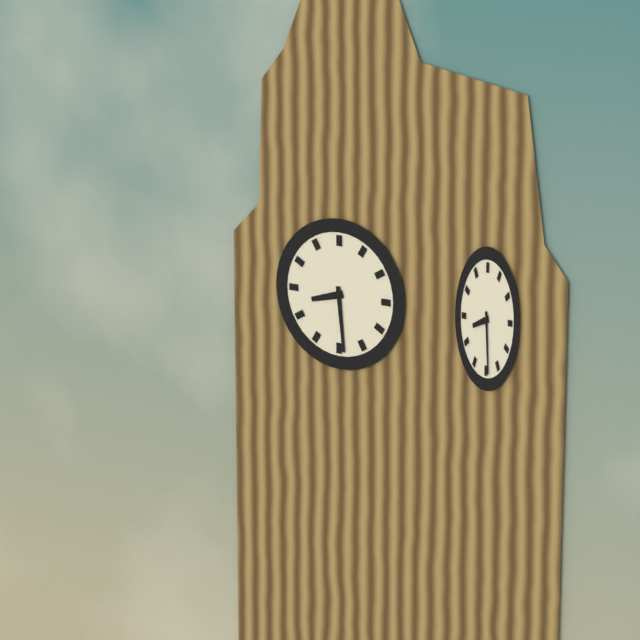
8,29
